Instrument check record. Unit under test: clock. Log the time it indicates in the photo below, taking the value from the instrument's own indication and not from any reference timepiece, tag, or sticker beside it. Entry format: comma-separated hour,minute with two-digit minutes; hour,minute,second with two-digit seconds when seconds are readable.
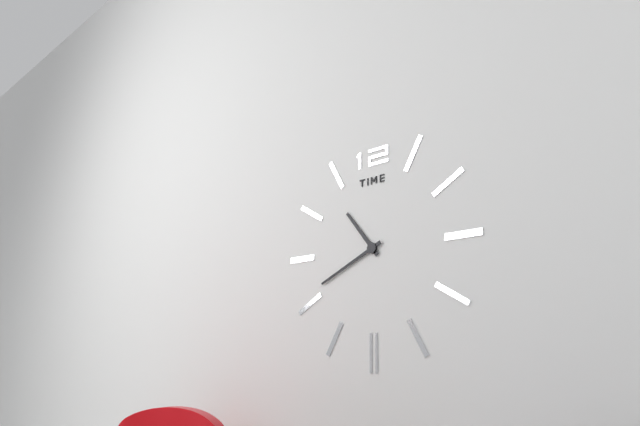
10,41
